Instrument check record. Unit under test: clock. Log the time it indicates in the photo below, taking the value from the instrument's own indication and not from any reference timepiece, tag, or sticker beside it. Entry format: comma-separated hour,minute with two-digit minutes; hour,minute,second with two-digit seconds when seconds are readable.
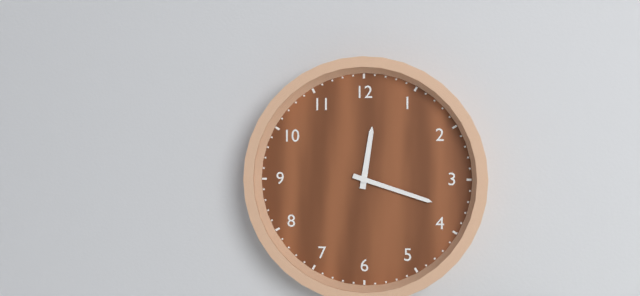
12,18
